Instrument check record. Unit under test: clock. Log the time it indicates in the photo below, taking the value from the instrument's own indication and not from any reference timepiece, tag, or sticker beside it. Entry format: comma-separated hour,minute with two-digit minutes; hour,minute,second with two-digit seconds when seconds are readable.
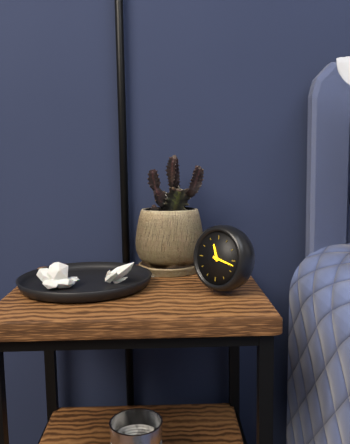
11,17
